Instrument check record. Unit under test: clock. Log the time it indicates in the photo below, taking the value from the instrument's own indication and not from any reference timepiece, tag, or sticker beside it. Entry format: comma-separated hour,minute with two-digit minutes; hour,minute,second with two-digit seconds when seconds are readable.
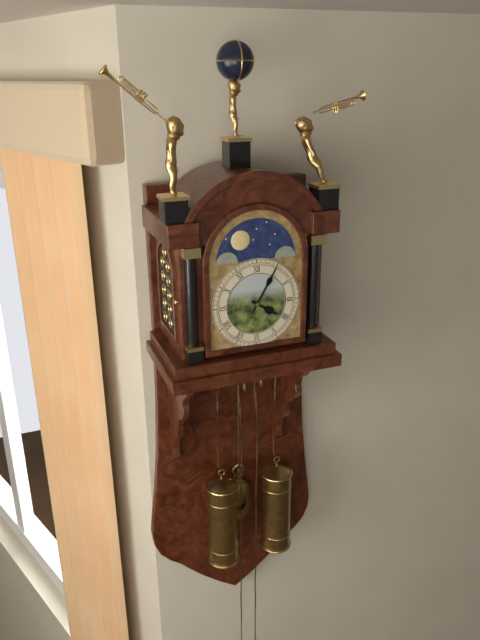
4,05
